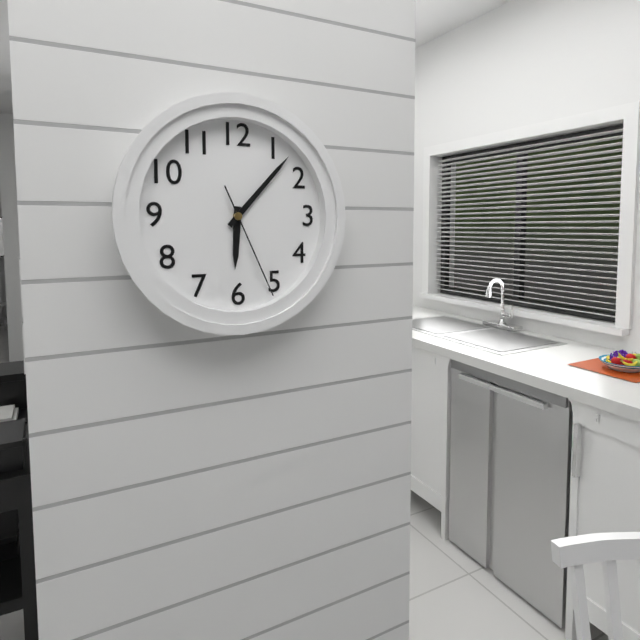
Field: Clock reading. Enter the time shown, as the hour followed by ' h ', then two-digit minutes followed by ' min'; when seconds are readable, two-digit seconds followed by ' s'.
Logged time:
6 h 07 min 26 s
